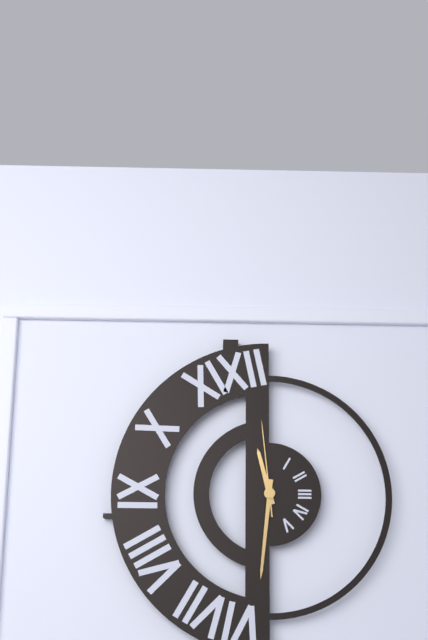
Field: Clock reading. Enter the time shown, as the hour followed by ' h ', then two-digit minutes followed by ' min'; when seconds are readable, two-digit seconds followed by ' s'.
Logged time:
11 h 31 min 59 s
